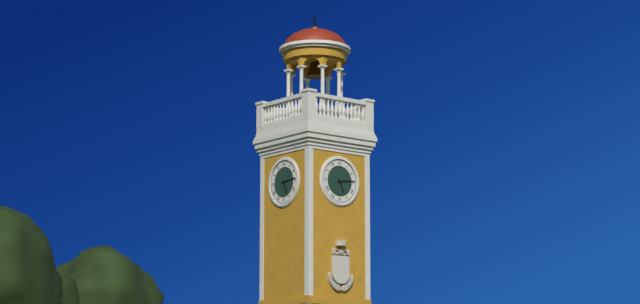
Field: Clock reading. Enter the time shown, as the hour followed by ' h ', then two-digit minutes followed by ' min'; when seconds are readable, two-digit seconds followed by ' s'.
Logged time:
5 h 14 min
